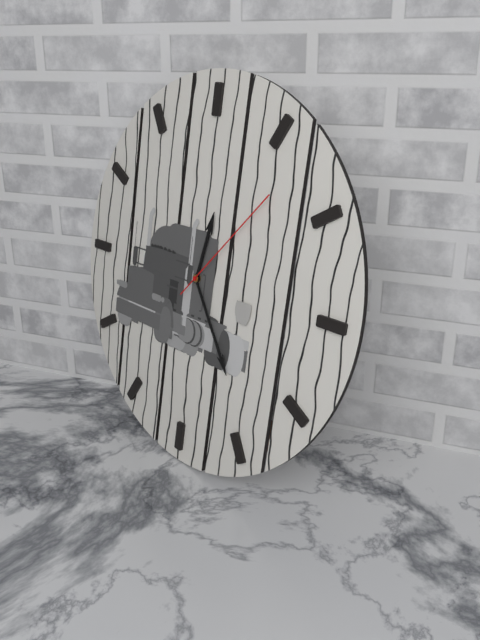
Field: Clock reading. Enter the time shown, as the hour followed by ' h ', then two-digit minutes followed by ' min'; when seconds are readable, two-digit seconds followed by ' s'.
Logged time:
12 h 24 min 07 s
